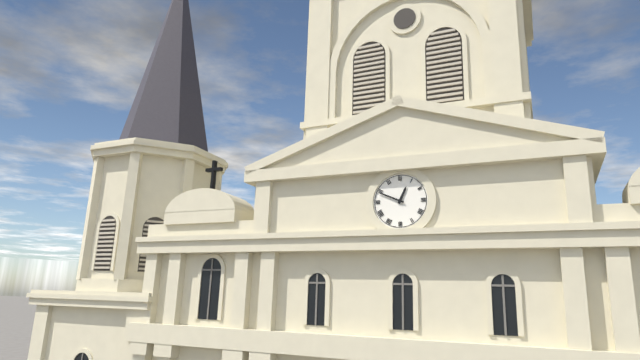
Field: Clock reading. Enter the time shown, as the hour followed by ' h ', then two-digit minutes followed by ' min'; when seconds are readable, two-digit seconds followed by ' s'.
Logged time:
12 h 49 min
